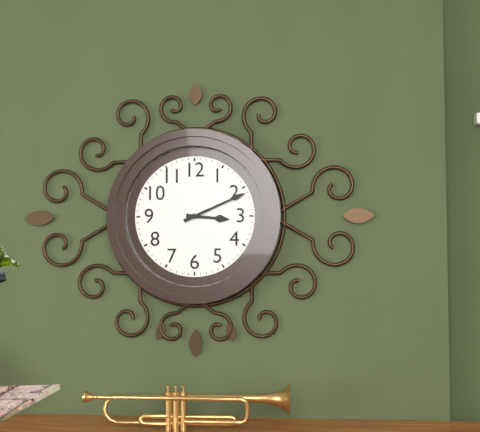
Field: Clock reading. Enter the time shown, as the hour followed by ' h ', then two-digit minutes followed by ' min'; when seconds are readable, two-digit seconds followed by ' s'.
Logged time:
3 h 11 min
